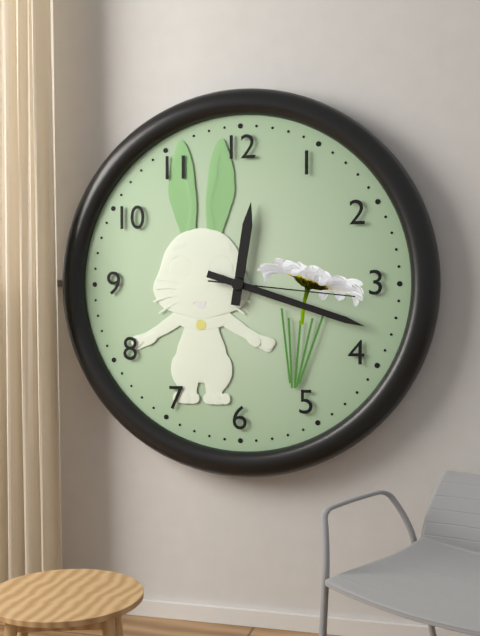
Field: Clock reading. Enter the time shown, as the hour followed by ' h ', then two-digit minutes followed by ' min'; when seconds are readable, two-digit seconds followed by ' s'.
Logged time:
12 h 18 min 16 s
